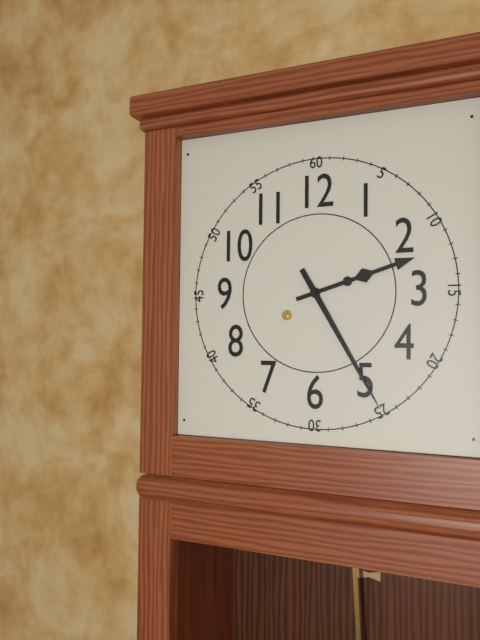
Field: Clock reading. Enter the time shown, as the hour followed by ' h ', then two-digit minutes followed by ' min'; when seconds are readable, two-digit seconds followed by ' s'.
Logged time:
2 h 25 min
